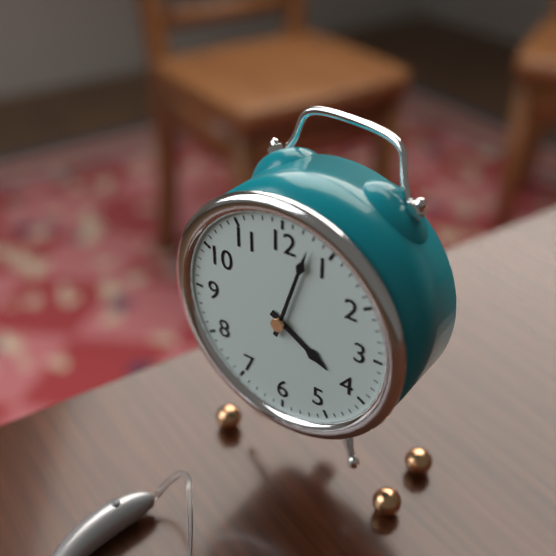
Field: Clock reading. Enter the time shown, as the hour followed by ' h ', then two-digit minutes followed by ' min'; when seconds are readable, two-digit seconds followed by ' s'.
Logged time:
4 h 03 min
